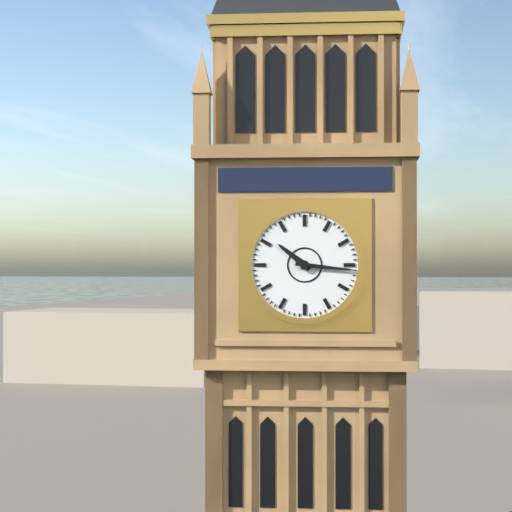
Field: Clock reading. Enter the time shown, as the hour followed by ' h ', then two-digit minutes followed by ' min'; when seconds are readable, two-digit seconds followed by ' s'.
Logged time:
10 h 16 min
